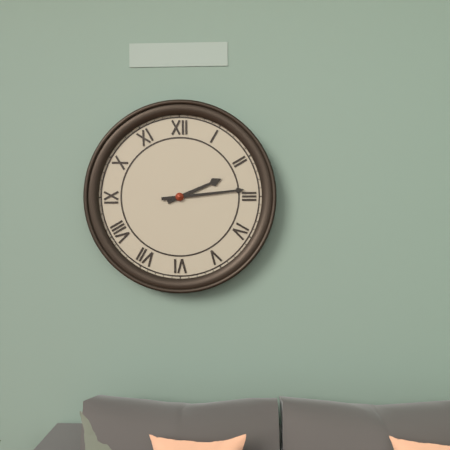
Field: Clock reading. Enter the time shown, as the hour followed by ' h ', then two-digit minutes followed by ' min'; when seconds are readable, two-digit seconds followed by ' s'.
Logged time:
2 h 14 min
